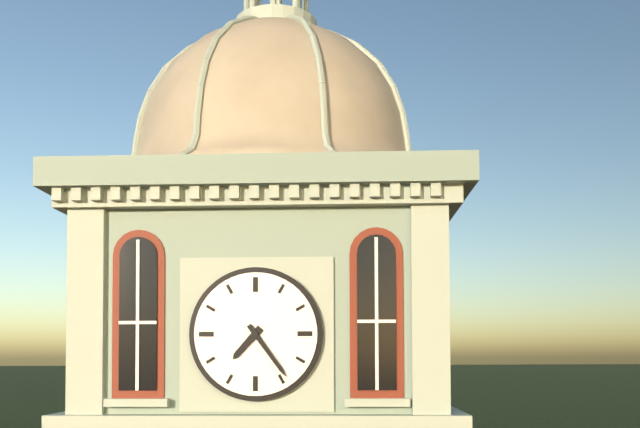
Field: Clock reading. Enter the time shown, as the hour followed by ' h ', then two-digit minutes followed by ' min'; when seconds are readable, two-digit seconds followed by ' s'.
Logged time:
7 h 24 min
